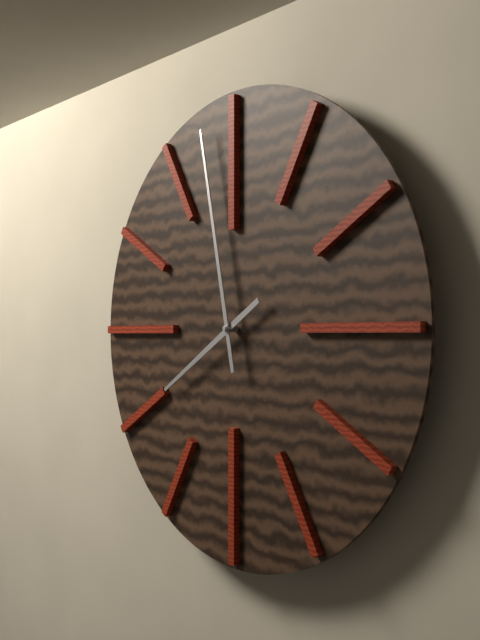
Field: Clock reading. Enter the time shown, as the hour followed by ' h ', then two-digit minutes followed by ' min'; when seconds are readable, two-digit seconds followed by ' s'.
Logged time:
7 h 58 min
